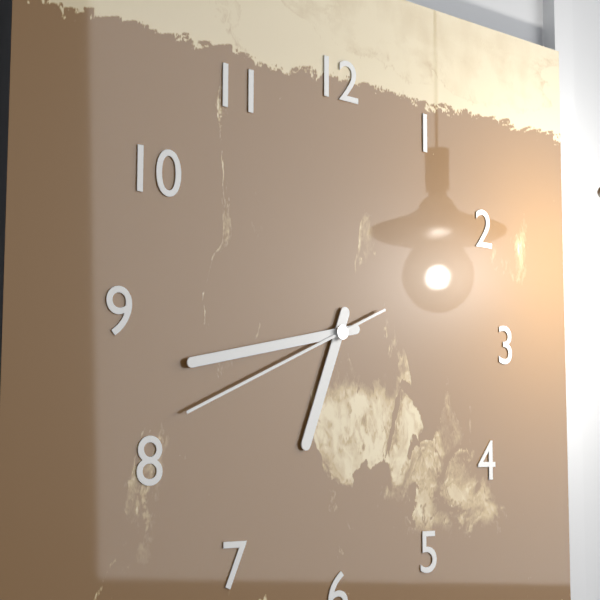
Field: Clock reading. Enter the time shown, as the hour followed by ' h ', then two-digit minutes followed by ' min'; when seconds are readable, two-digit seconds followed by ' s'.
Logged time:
6 h 43 min 41 s
